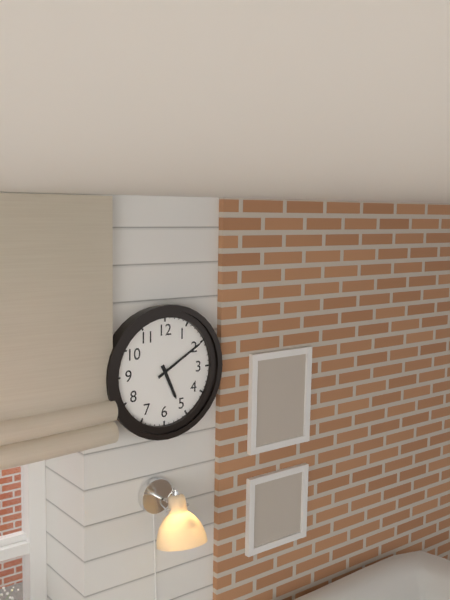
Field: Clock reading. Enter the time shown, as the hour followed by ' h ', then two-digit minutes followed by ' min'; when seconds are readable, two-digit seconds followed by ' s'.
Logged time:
5 h 10 min
